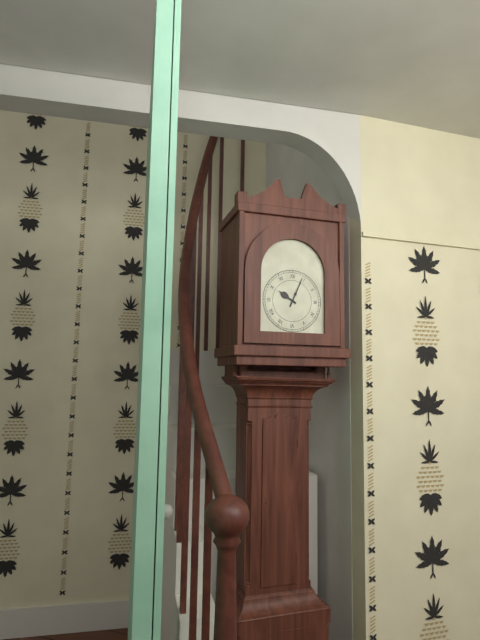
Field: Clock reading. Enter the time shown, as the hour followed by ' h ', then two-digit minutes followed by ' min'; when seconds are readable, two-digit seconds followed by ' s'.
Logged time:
10 h 04 min
